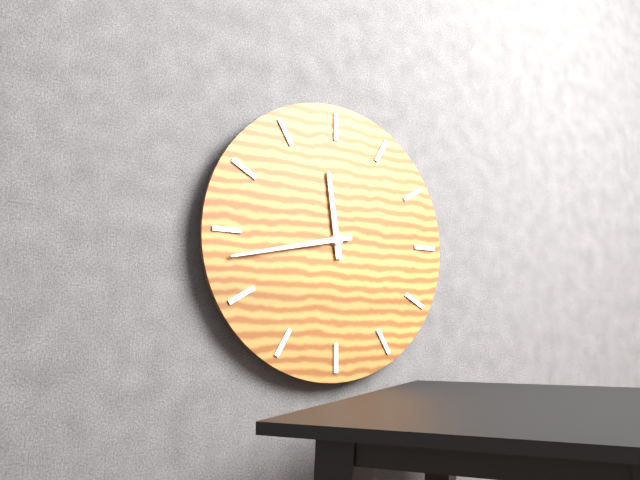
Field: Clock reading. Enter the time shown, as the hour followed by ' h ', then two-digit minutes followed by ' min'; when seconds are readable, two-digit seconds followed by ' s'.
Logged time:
11 h 43 min
